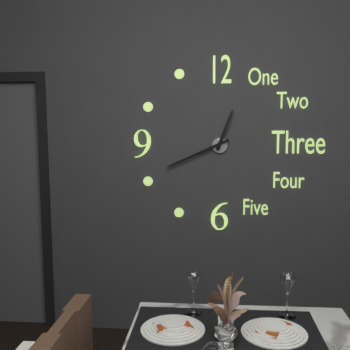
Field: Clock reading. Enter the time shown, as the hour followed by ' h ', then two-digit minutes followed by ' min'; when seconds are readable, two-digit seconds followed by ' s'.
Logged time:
12 h 41 min
